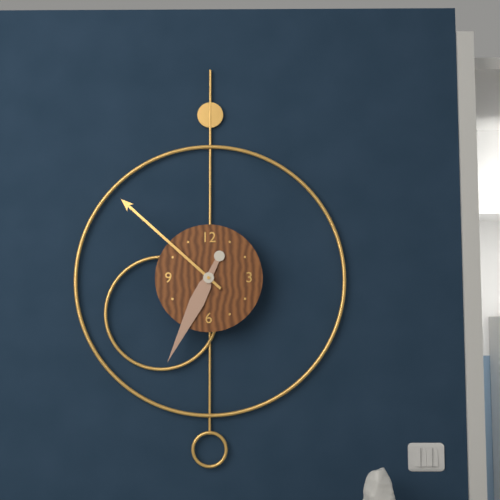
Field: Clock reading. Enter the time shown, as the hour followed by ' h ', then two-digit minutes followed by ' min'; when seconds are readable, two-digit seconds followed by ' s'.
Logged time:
6 h 52 min
